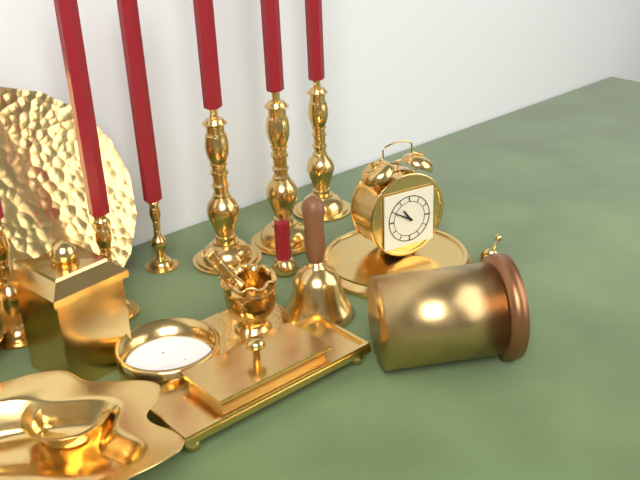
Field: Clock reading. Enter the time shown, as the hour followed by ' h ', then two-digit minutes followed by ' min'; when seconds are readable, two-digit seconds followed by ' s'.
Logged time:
10 h 50 min
